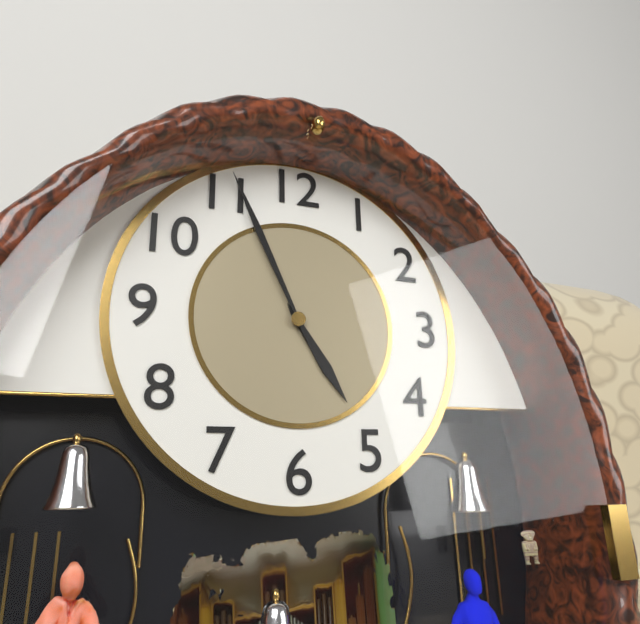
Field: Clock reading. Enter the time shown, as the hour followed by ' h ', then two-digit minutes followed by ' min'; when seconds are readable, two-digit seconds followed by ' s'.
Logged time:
4 h 56 min
